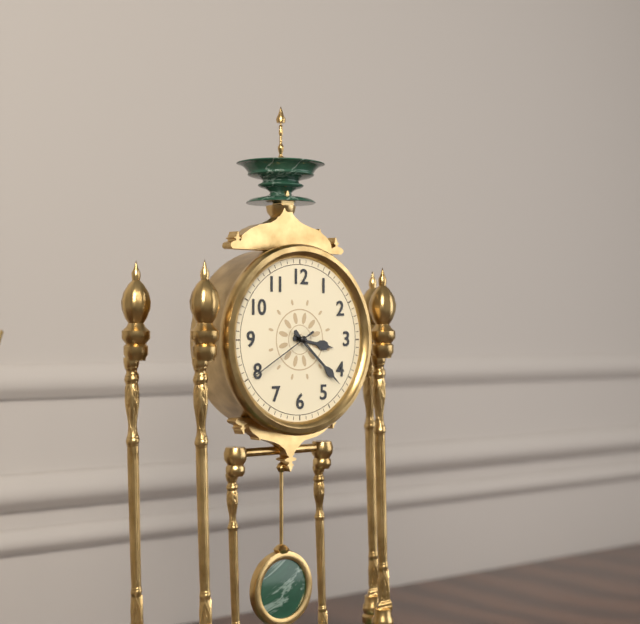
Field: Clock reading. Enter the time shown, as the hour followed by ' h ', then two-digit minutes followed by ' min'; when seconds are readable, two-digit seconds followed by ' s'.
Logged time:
3 h 22 min 40 s
